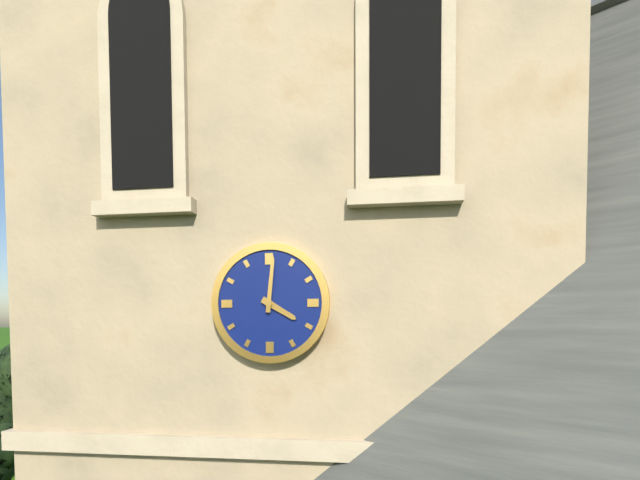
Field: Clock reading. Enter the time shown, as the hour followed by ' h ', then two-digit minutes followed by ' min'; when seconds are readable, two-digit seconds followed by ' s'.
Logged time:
4 h 01 min
